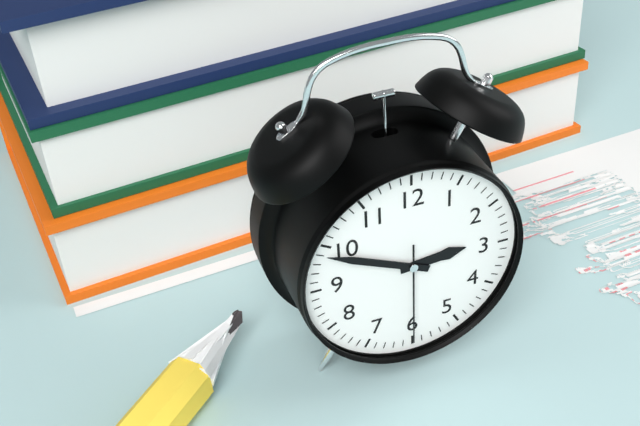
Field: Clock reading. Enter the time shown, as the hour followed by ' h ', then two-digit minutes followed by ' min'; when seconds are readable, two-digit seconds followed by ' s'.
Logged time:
2 h 49 min 30 s
